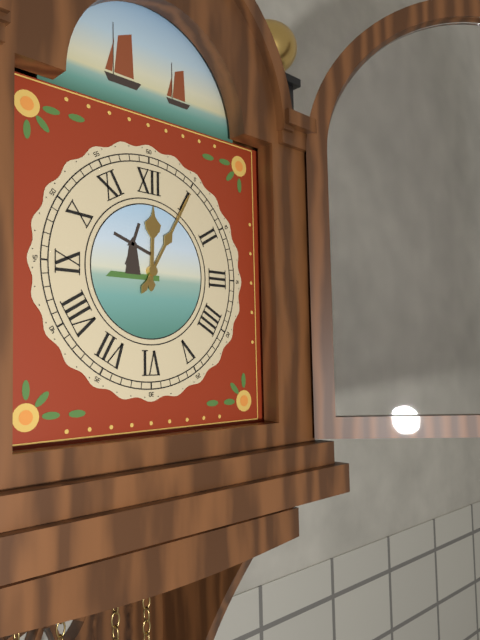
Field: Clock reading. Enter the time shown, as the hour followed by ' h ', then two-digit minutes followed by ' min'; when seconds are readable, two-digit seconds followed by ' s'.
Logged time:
12 h 05 min
